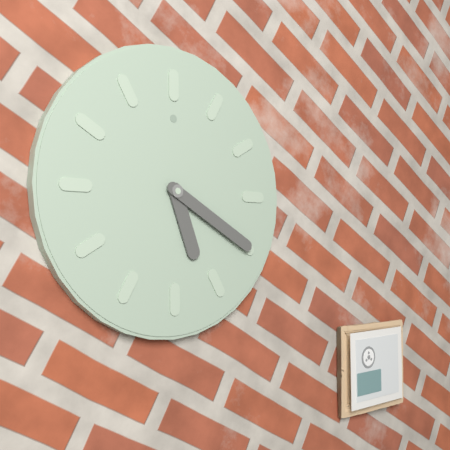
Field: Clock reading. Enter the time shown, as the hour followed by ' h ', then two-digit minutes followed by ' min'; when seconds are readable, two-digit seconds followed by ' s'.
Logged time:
5 h 20 min
